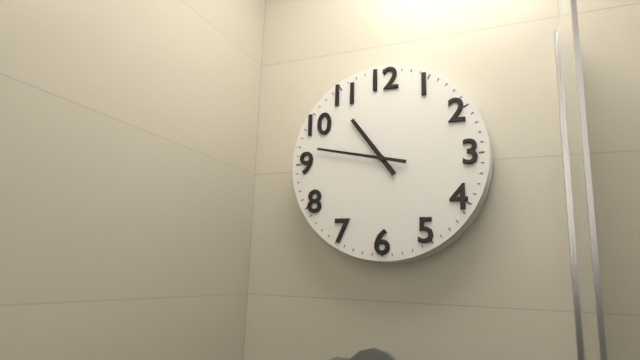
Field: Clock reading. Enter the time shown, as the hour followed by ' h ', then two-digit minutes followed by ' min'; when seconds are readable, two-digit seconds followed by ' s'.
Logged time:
10 h 47 min
